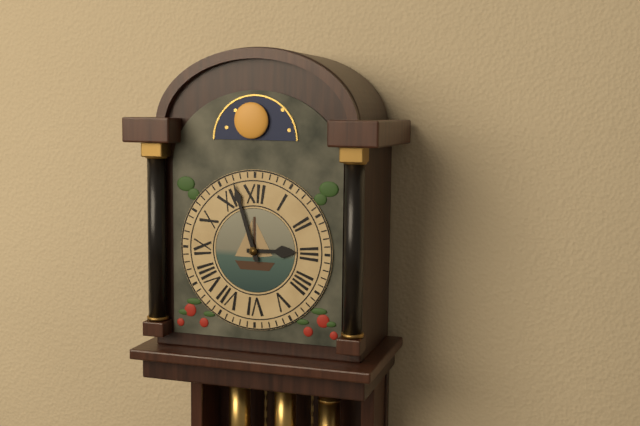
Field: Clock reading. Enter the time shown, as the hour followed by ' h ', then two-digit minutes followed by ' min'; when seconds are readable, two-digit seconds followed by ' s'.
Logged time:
2 h 57 min
